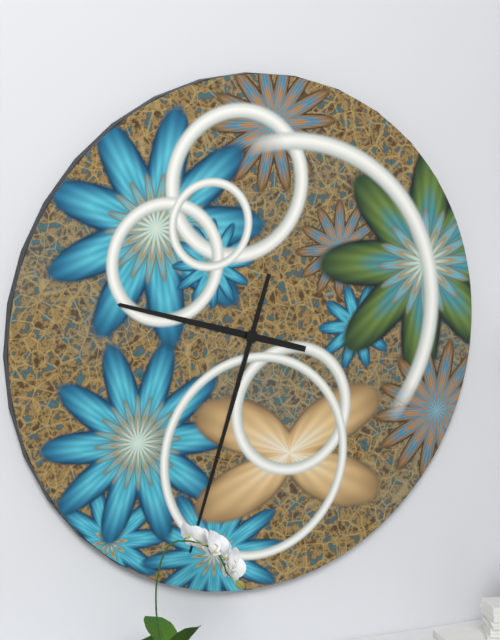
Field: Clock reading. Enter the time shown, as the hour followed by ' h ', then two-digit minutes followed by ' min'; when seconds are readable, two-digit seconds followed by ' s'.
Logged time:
9 h 33 min
